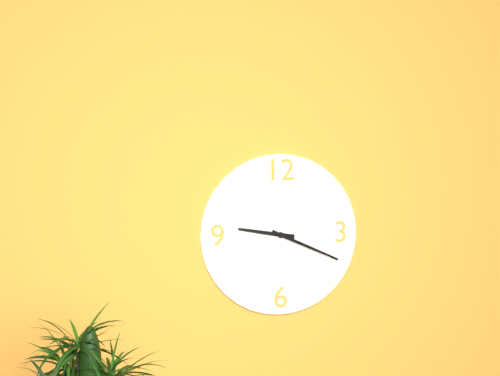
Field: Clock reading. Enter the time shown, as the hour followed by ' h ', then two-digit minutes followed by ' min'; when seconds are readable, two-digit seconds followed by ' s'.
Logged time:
9 h 19 min
